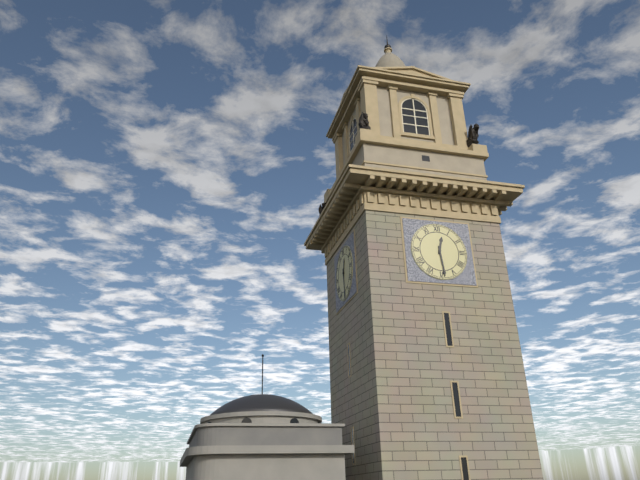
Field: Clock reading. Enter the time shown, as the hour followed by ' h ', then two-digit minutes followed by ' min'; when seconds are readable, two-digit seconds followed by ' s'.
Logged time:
12 h 29 min
